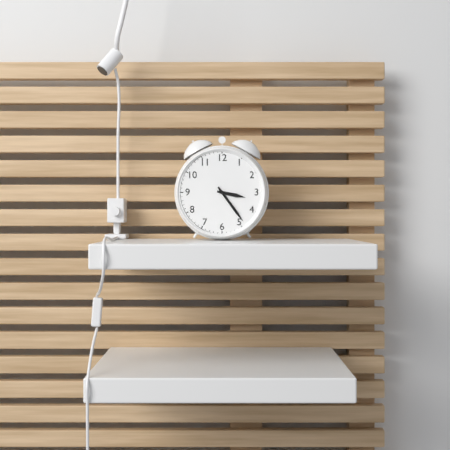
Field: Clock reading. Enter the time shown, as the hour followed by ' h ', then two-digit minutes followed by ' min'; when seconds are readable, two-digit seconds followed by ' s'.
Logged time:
3 h 24 min
